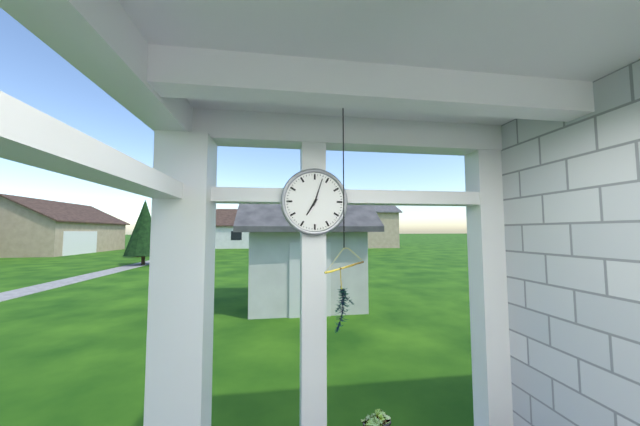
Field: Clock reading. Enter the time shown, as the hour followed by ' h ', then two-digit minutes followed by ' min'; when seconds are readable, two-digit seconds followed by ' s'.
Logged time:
7 h 03 min
